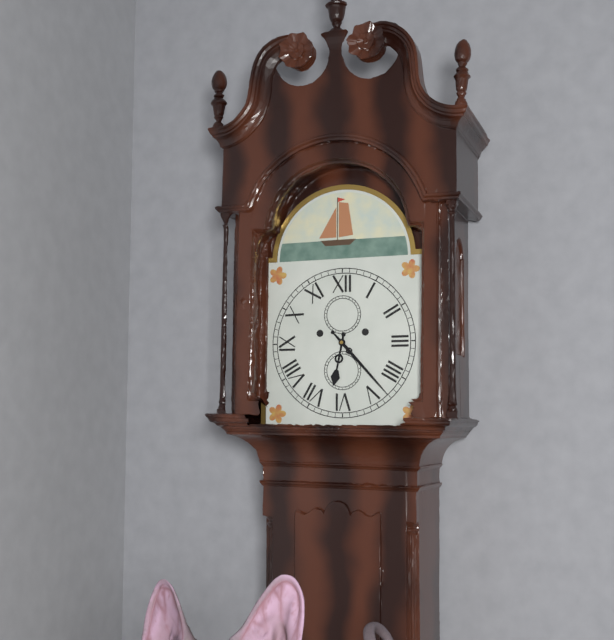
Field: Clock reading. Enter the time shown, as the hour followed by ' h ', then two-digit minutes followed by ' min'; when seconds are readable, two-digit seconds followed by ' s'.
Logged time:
6 h 23 min
